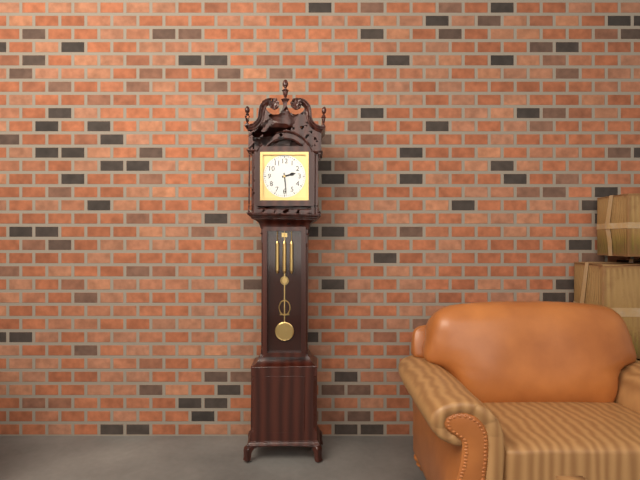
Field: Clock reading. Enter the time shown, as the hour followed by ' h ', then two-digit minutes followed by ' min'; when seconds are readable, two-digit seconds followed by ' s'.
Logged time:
2 h 29 min
